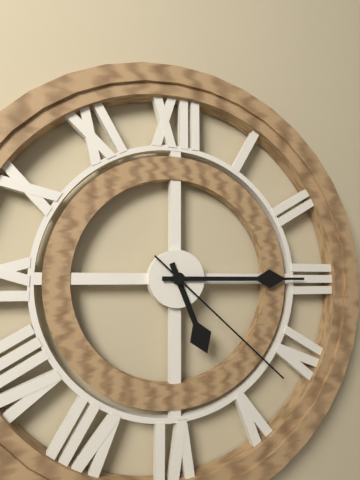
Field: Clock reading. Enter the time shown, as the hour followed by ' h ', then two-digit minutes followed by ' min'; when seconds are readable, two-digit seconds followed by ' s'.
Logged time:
5 h 15 min 22 s
